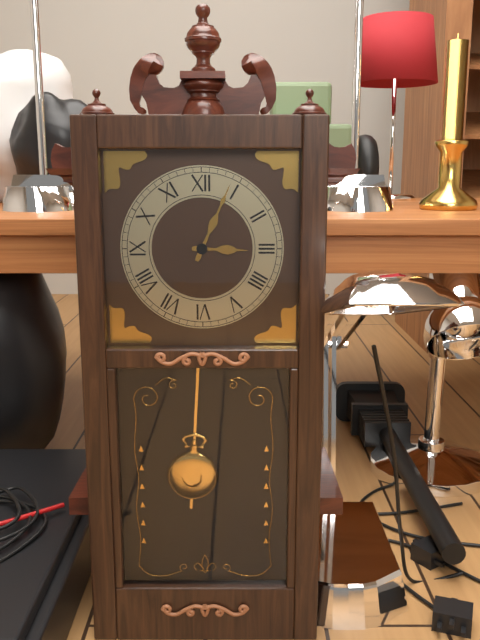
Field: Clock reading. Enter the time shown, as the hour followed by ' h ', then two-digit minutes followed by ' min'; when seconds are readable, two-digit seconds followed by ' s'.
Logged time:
3 h 04 min
